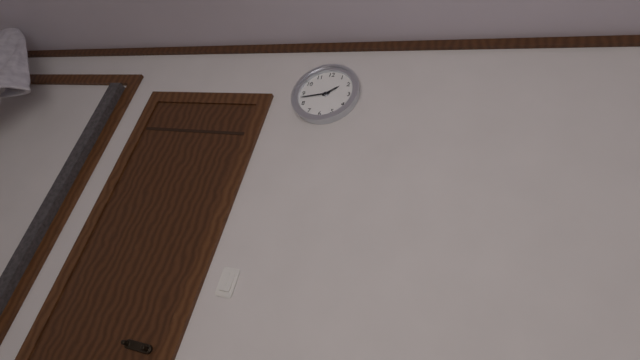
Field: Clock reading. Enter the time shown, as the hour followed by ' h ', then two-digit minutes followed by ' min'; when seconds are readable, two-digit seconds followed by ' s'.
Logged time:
1 h 43 min
